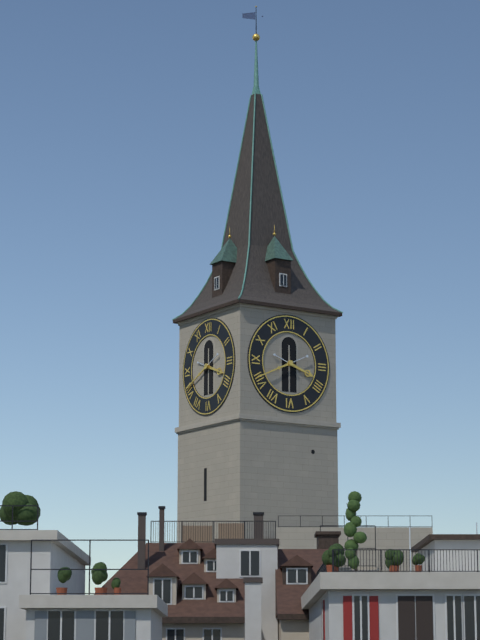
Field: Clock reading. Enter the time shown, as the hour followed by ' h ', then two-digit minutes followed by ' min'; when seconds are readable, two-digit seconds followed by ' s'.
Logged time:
3 h 41 min
